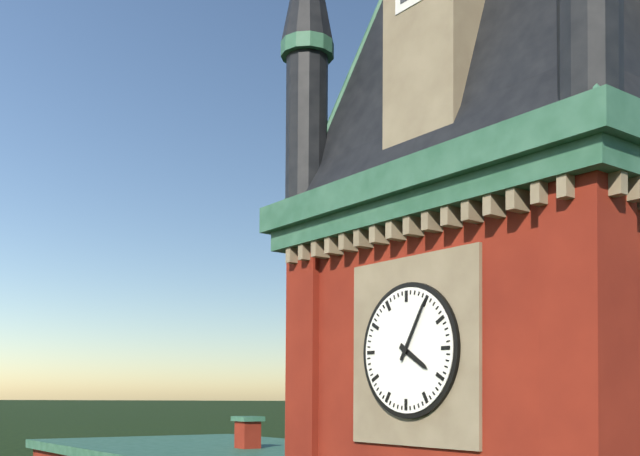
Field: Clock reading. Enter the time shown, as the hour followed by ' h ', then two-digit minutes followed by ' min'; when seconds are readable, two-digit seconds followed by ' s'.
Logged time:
4 h 05 min
